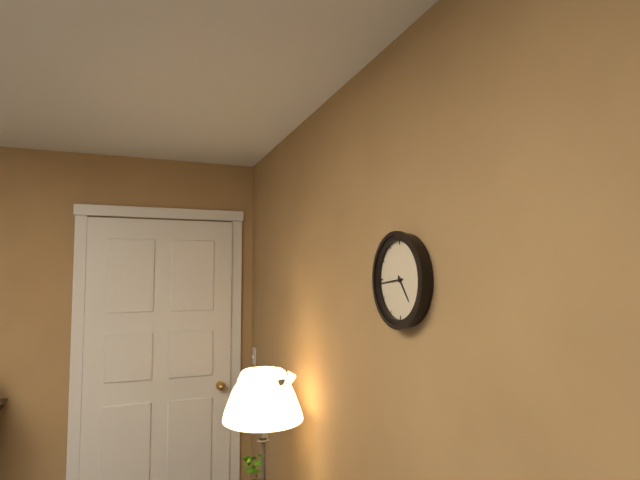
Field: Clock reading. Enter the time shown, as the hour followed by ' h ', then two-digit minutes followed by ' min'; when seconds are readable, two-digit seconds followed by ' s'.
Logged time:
4 h 44 min
